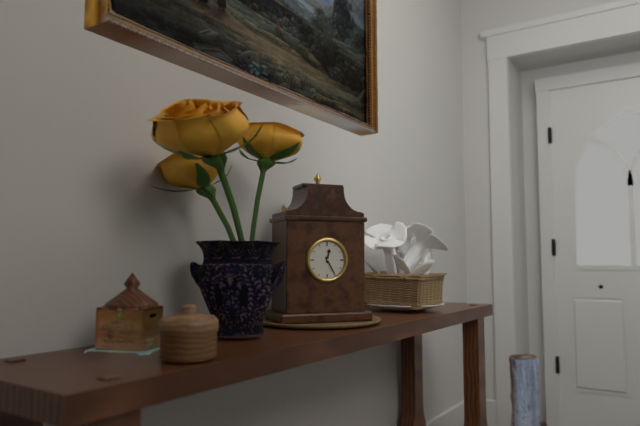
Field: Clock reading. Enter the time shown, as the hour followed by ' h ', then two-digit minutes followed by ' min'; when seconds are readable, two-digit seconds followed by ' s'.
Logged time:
12 h 25 min
